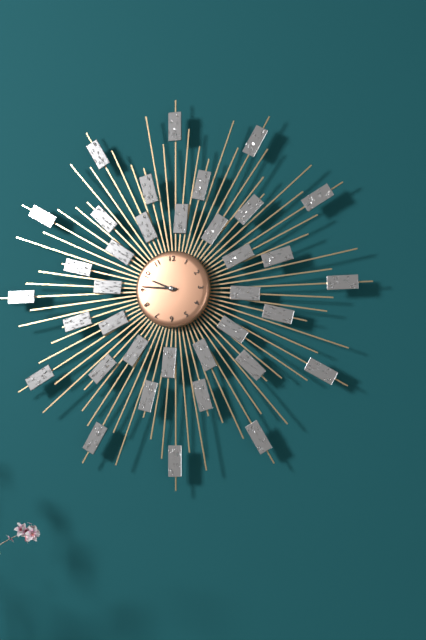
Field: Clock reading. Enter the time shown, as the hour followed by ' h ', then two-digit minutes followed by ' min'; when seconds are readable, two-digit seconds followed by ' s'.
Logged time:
9 h 46 min
